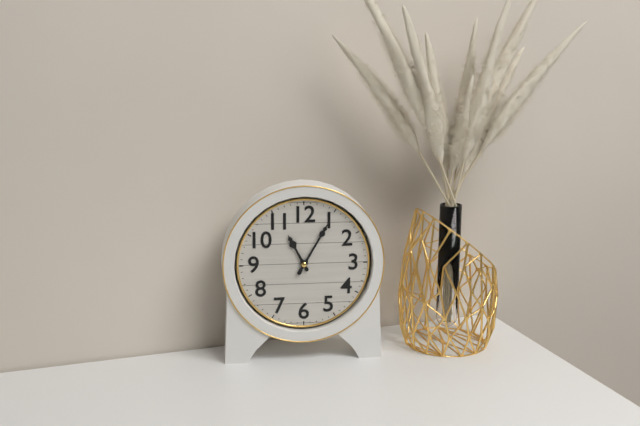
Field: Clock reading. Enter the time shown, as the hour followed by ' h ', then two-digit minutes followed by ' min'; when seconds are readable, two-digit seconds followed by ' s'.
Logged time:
11 h 05 min
